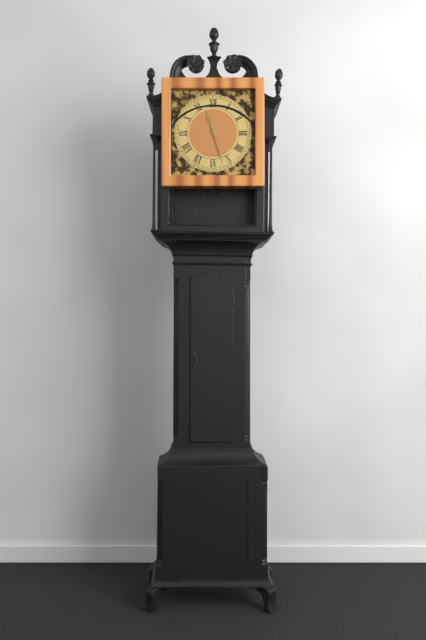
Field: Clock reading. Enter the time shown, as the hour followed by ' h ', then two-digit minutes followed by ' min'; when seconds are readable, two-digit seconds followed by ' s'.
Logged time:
11 h 27 min
